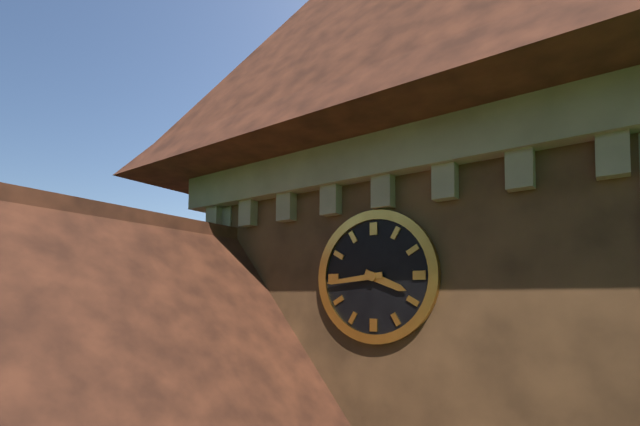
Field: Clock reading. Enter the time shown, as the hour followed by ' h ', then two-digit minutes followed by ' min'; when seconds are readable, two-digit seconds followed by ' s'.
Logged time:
3 h 44 min
